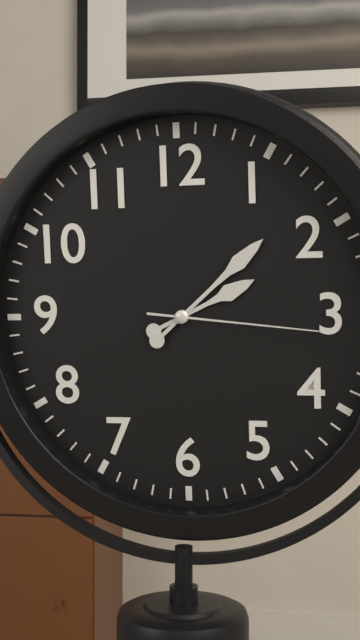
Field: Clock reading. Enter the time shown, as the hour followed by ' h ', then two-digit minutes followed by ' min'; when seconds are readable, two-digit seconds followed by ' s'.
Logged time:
2 h 08 min 16 s
